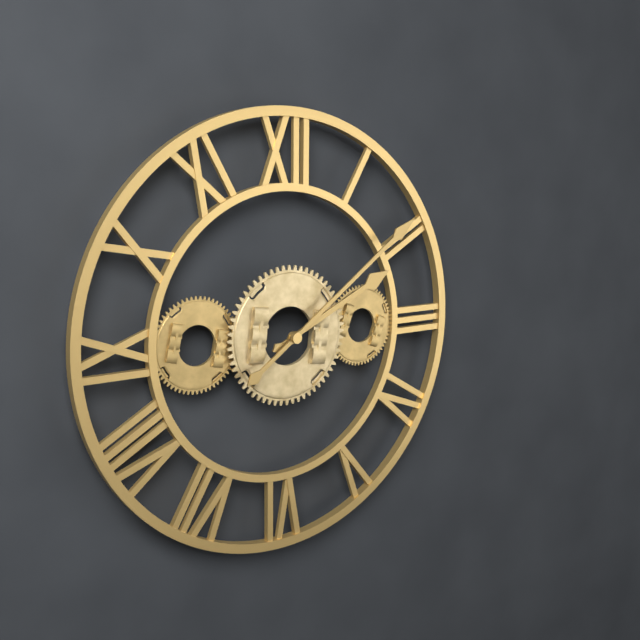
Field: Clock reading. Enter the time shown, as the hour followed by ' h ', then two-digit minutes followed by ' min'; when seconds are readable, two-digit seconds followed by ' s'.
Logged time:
2 h 09 min
